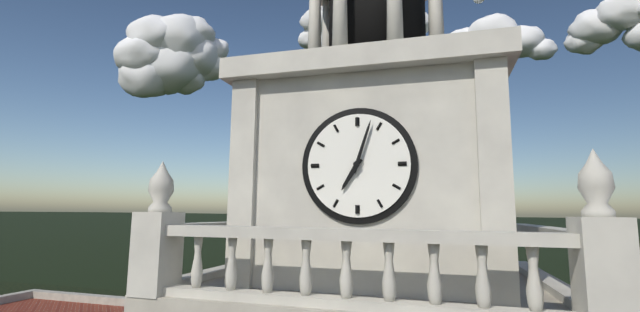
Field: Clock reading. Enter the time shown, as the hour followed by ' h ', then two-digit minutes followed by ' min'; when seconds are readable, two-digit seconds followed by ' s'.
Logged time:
7 h 03 min
